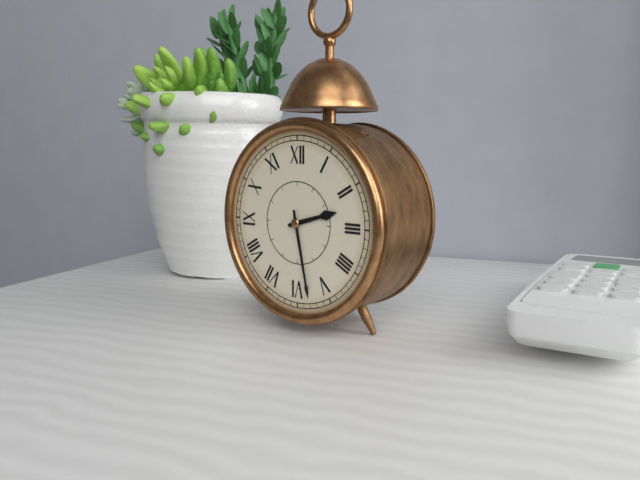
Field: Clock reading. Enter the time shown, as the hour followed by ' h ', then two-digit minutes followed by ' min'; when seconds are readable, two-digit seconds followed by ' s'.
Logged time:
2 h 28 min
